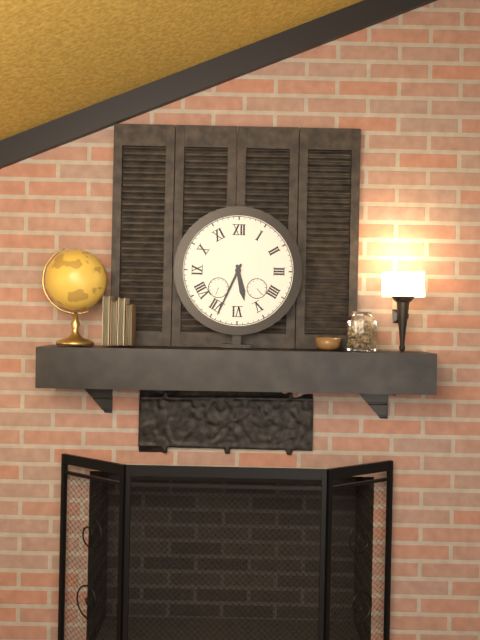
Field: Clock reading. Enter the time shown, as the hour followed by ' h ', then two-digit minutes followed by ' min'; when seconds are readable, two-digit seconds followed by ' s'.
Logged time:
5 h 34 min
